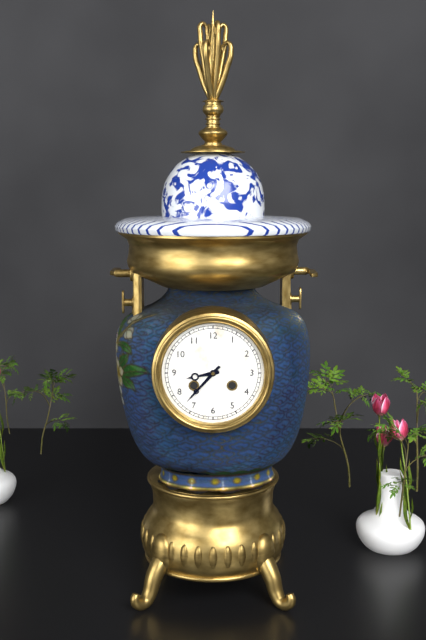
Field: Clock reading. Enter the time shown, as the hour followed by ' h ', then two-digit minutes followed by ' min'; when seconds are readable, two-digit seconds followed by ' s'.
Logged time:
8 h 37 min
